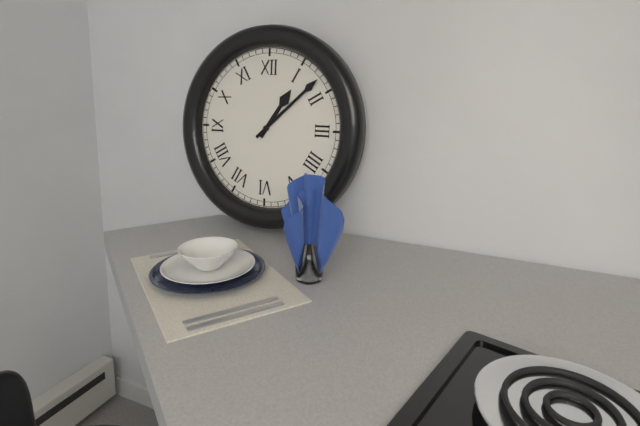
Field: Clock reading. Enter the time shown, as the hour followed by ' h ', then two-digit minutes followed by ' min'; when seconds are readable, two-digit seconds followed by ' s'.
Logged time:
1 h 08 min
